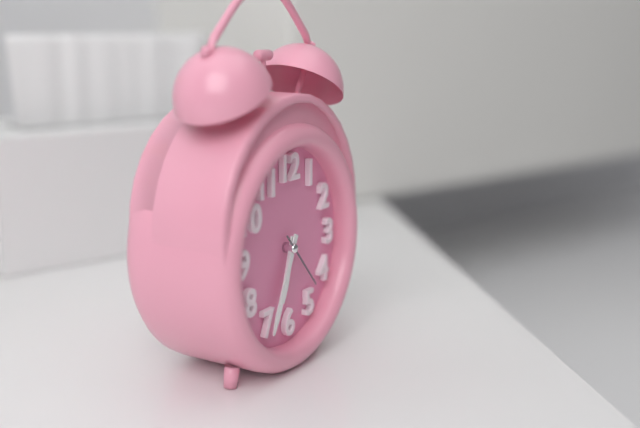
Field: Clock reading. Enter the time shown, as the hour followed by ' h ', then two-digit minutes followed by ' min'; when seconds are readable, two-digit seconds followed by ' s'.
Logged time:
6 h 34 min 23 s
